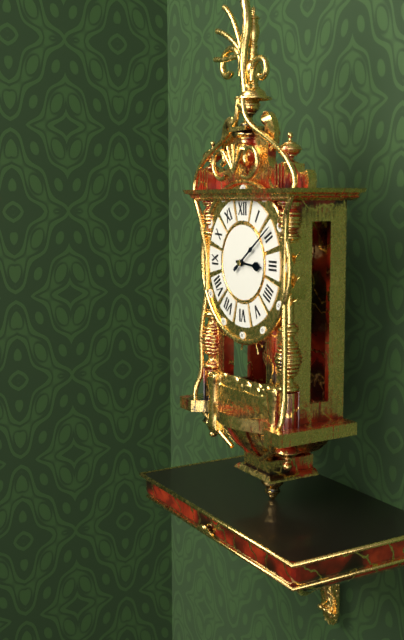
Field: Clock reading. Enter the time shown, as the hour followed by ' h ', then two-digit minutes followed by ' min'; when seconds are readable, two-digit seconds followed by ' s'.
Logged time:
3 h 09 min
